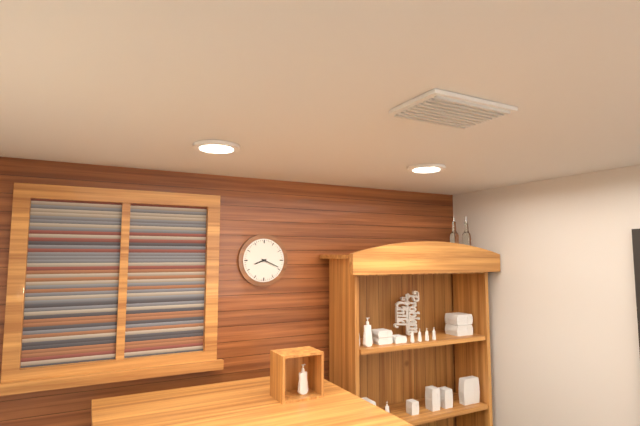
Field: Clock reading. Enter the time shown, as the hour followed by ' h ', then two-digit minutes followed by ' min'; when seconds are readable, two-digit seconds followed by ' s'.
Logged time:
8 h 19 min
